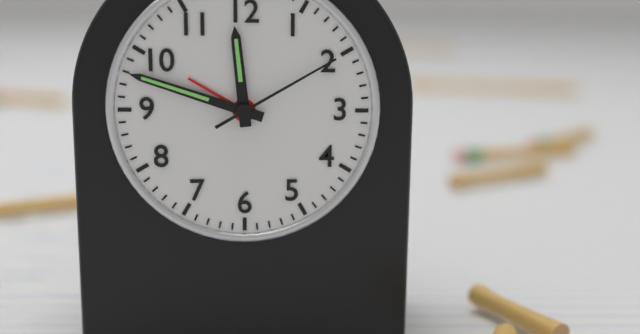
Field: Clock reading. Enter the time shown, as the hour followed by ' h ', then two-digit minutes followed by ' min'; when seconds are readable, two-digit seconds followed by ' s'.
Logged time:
11 h 48 min 10 s
